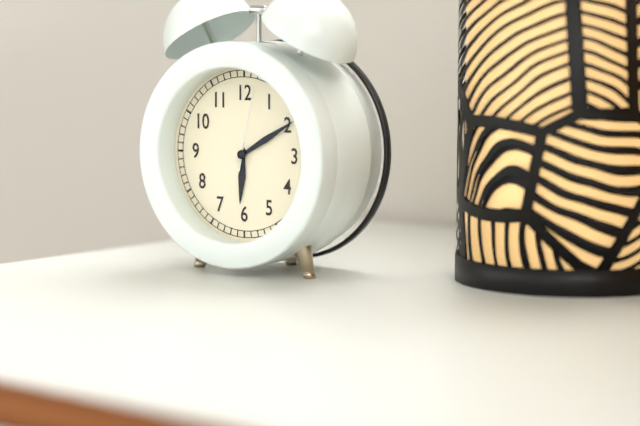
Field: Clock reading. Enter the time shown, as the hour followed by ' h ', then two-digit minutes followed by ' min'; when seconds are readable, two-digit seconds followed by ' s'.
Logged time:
6 h 10 min 02 s
